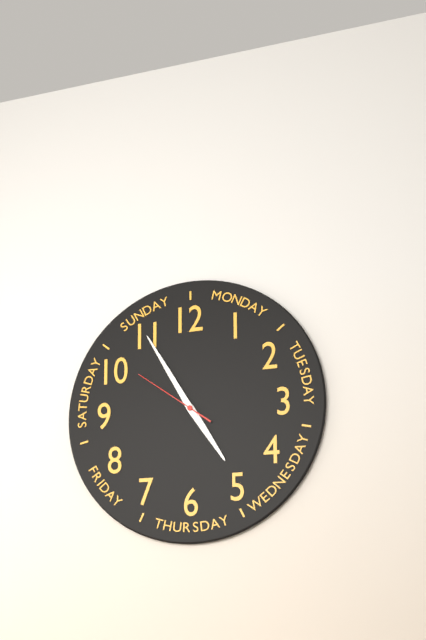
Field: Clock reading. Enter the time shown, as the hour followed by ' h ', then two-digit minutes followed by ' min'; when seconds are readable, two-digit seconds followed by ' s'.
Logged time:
4 h 55 min 51 s
